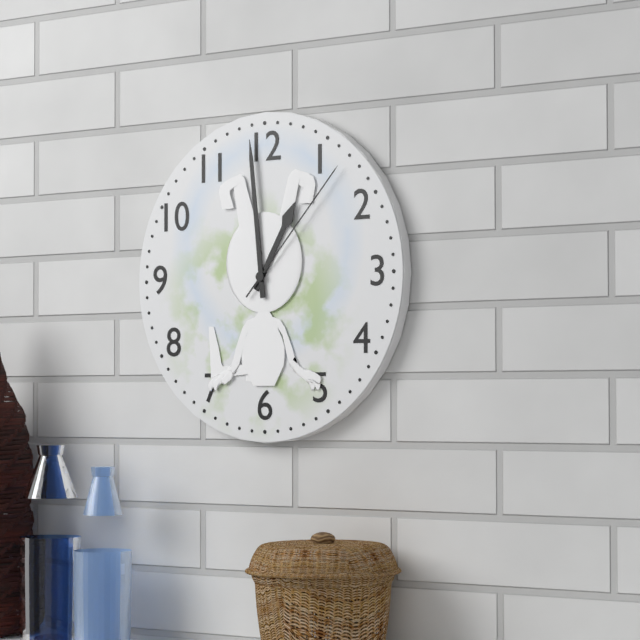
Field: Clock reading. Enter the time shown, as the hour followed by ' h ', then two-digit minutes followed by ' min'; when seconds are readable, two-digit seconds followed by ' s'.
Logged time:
12 h 59 min 07 s
